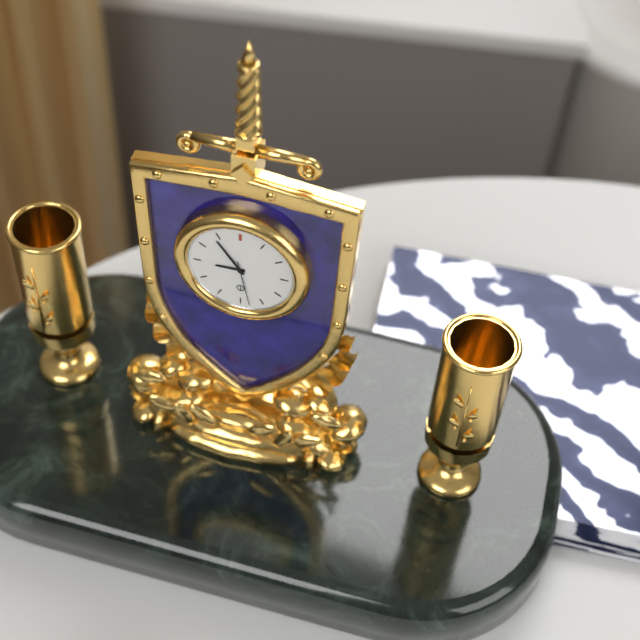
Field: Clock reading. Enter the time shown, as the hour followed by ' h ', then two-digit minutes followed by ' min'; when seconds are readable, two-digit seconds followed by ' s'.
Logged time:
8 h 54 min
